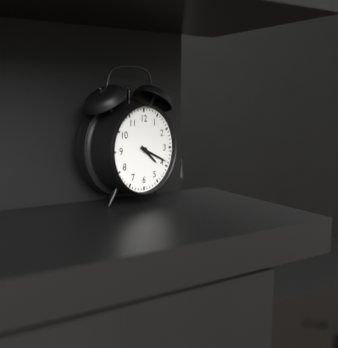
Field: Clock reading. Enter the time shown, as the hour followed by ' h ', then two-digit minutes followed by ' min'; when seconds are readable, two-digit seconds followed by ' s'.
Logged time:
4 h 19 min
